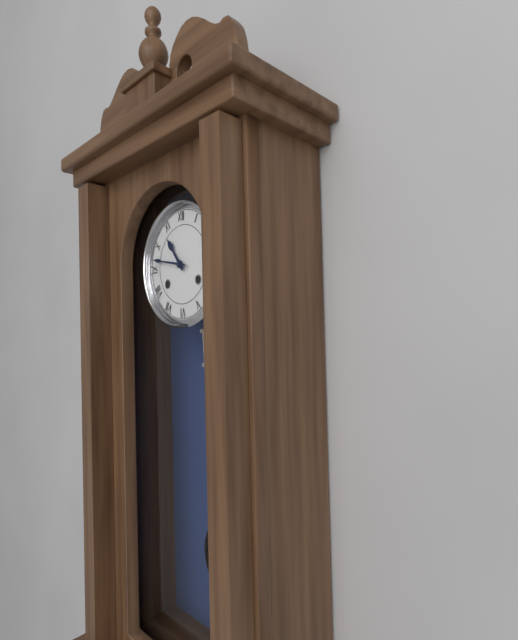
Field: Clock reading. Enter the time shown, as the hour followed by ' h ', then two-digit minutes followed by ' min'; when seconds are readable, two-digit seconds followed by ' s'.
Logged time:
10 h 47 min
